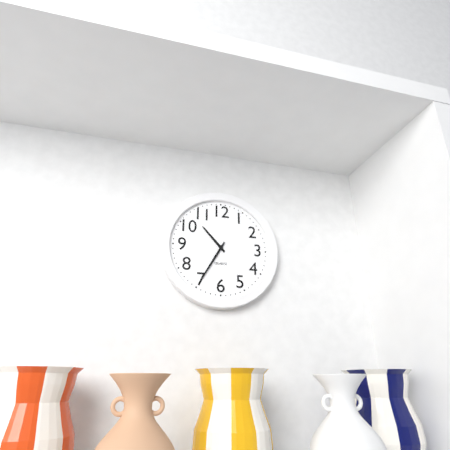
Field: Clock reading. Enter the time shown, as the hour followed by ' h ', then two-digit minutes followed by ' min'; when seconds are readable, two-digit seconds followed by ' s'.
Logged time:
10 h 35 min
